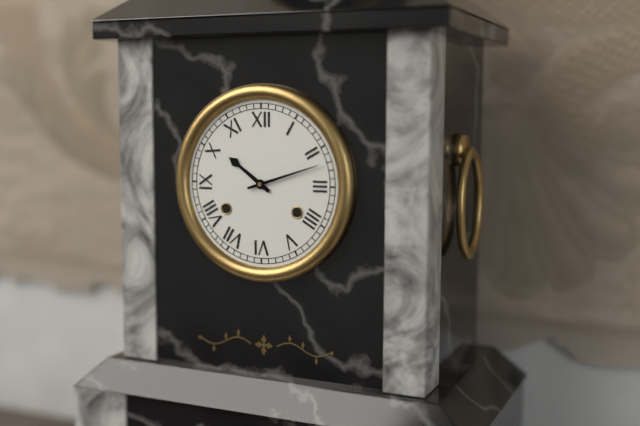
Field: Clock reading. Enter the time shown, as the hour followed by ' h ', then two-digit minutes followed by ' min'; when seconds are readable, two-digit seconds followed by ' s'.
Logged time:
10 h 12 min
